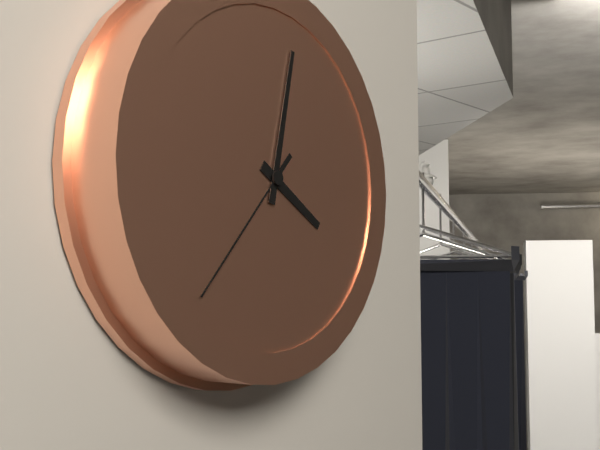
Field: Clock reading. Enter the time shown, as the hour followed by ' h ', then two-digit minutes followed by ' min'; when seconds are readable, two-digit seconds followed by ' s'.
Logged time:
4 h 02 min 37 s
